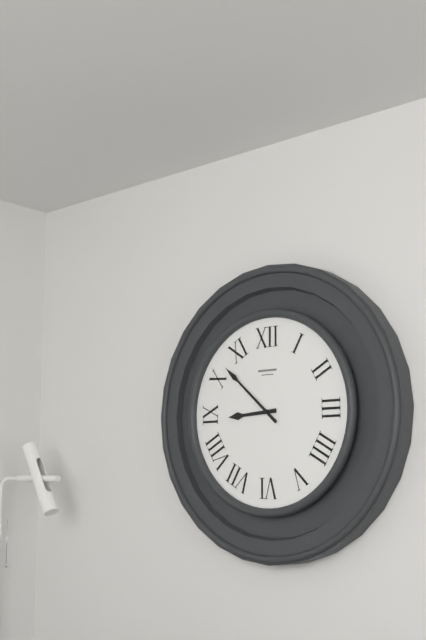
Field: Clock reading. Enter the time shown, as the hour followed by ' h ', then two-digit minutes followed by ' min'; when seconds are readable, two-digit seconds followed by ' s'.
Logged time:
8 h 52 min
